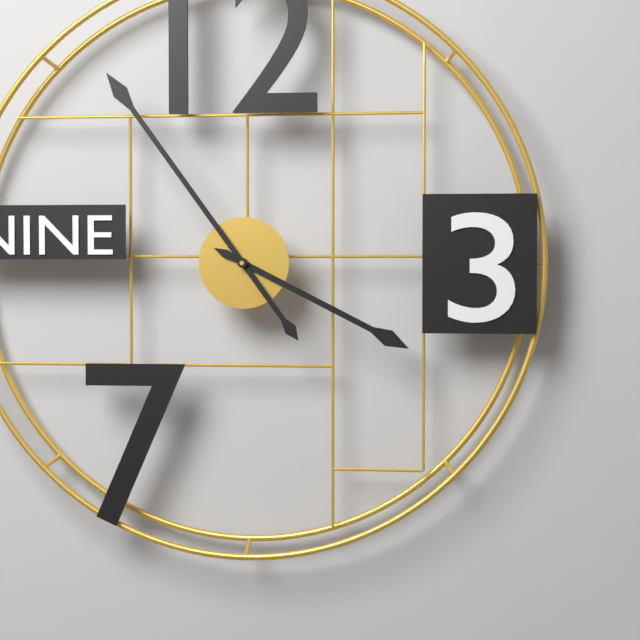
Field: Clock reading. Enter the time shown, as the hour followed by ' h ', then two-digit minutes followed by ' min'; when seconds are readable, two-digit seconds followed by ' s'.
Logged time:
3 h 54 min
